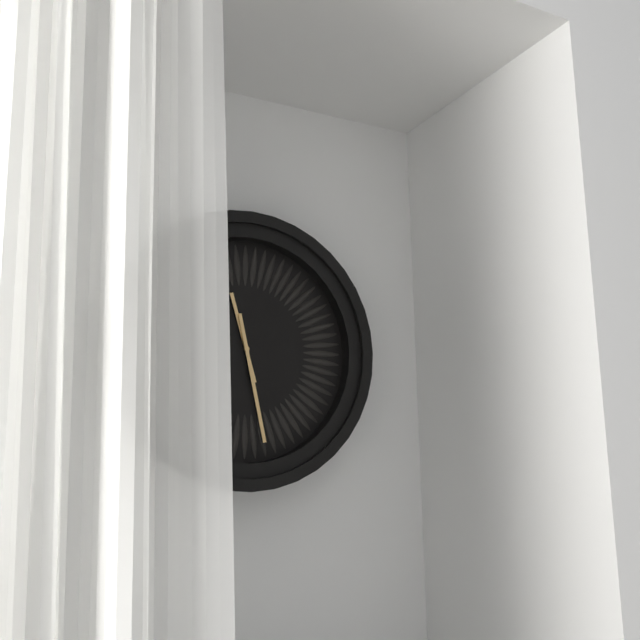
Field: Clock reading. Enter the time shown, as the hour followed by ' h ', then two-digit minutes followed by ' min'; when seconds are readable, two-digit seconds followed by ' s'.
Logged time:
11 h 28 min
